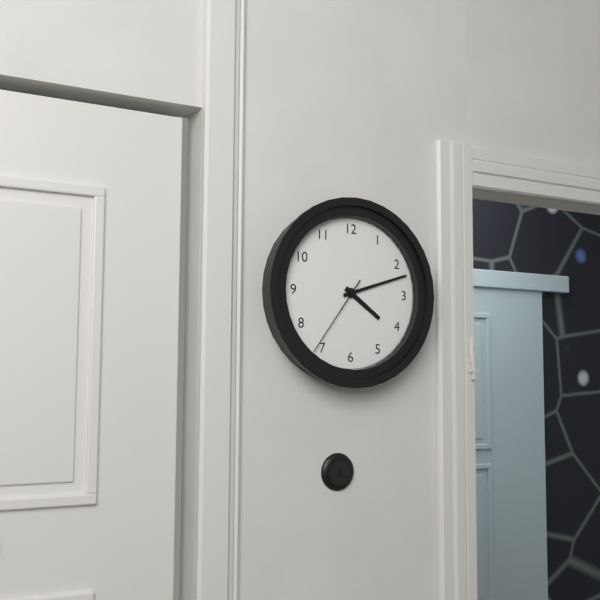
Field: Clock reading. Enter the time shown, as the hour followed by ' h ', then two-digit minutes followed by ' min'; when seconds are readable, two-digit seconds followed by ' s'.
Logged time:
4 h 12 min 36 s
